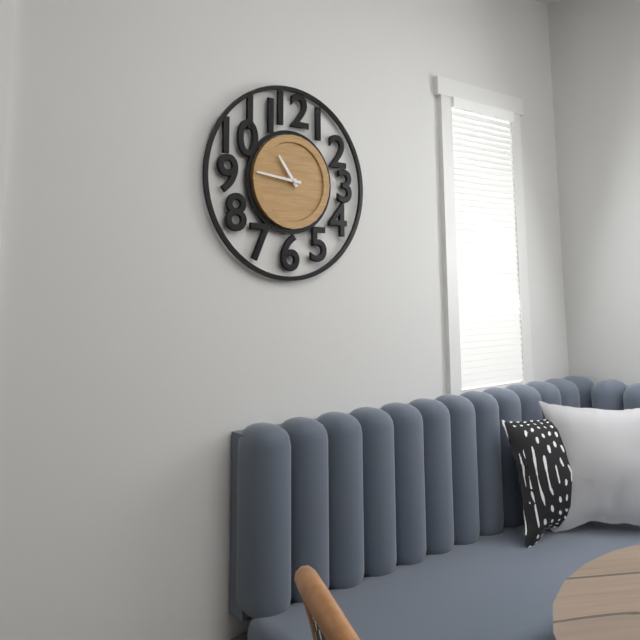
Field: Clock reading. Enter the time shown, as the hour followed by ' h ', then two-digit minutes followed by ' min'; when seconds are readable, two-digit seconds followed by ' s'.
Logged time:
10 h 46 min
